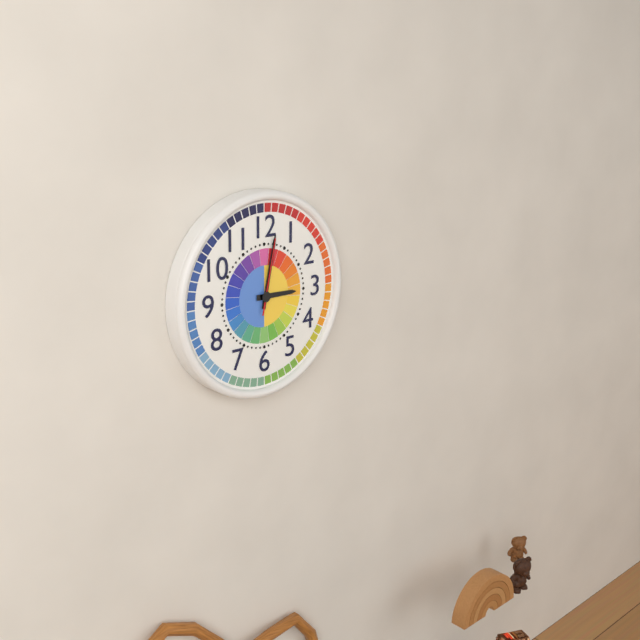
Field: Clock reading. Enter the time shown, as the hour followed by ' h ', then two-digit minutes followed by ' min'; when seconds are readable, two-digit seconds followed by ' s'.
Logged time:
3 h 02 min 02 s
